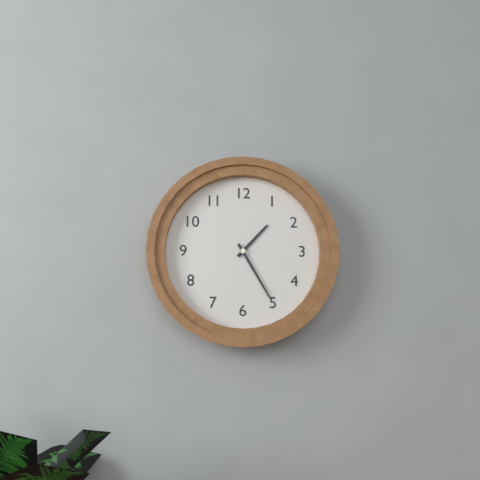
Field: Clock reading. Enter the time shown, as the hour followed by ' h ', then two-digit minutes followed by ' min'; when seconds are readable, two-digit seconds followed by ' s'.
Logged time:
1 h 25 min
